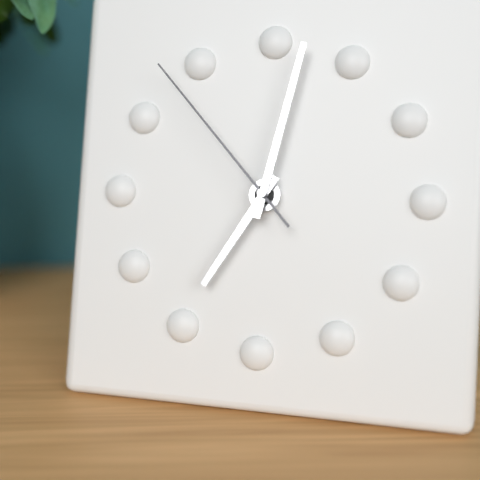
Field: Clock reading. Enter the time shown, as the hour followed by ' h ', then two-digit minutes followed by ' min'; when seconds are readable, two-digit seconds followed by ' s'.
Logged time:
7 h 02 min 53 s
